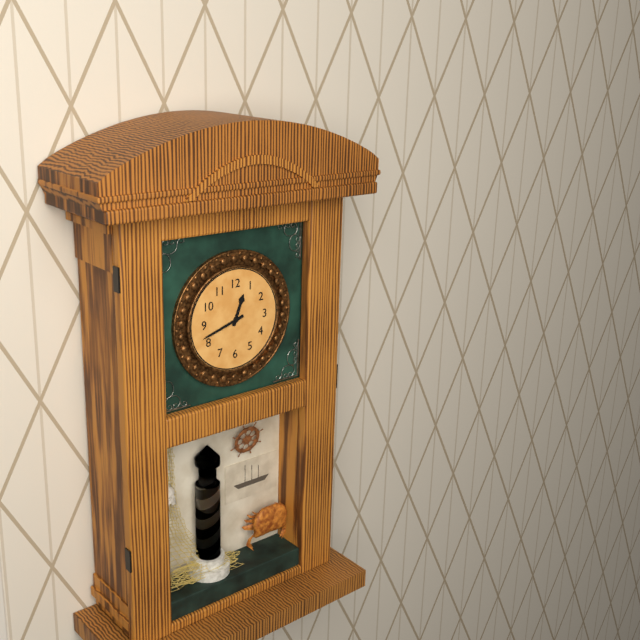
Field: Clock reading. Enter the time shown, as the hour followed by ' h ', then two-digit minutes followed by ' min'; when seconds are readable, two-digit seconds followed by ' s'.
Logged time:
12 h 42 min
